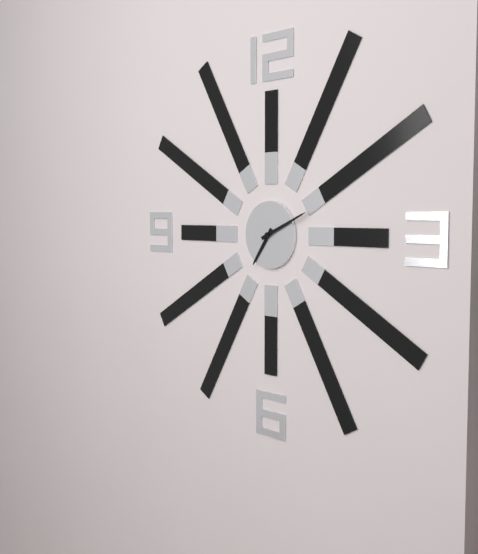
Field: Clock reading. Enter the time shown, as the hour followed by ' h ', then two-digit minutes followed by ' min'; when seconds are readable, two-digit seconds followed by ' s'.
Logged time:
7 h 11 min
